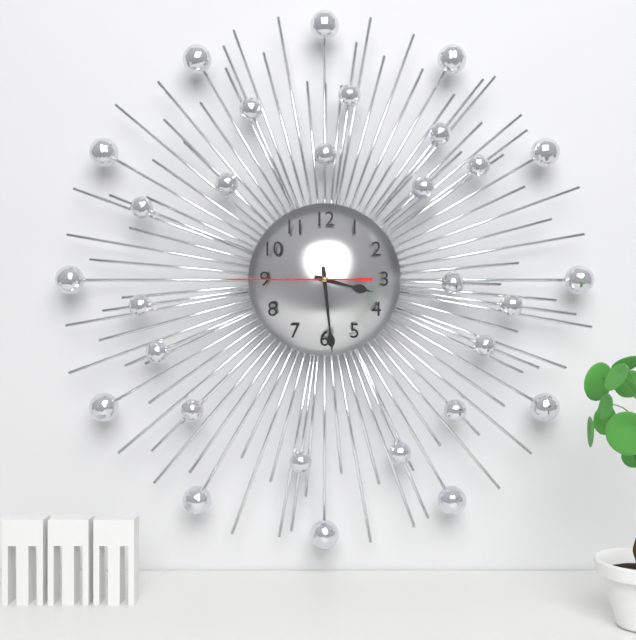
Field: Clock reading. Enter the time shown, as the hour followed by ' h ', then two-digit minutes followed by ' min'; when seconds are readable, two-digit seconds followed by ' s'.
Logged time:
3 h 29 min 45 s
